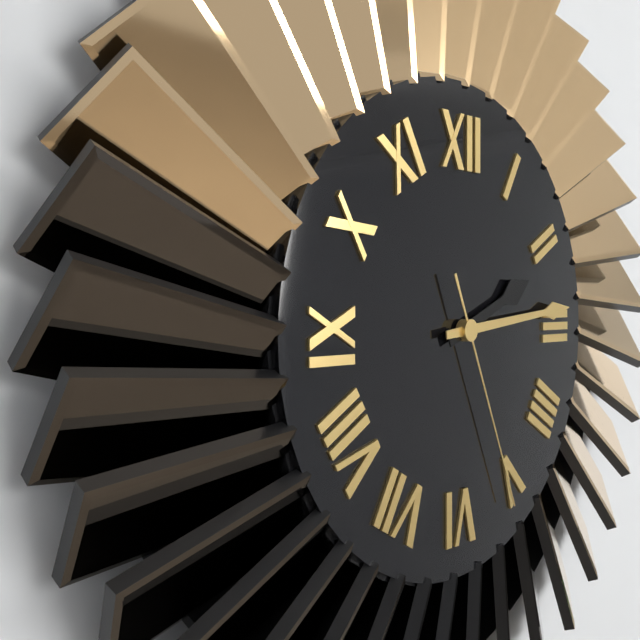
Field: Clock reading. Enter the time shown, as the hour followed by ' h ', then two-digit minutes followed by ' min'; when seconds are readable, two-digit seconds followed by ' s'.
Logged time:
2 h 14 min 26 s
